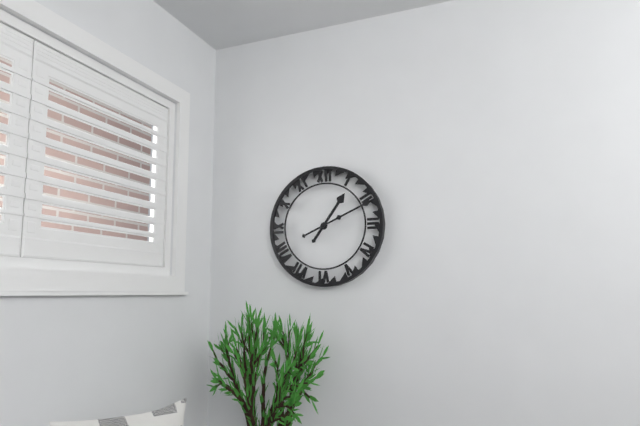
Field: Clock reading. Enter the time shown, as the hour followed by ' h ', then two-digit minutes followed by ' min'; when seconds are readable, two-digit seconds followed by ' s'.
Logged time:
1 h 11 min
